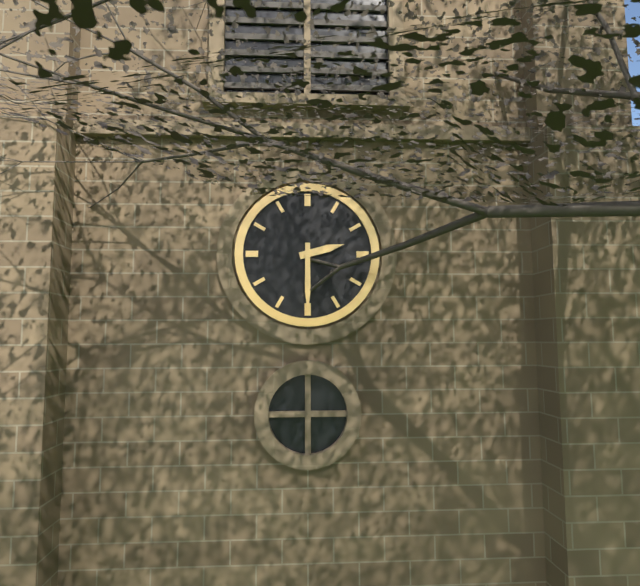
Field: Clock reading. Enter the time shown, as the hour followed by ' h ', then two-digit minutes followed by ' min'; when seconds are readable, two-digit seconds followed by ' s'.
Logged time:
2 h 30 min
